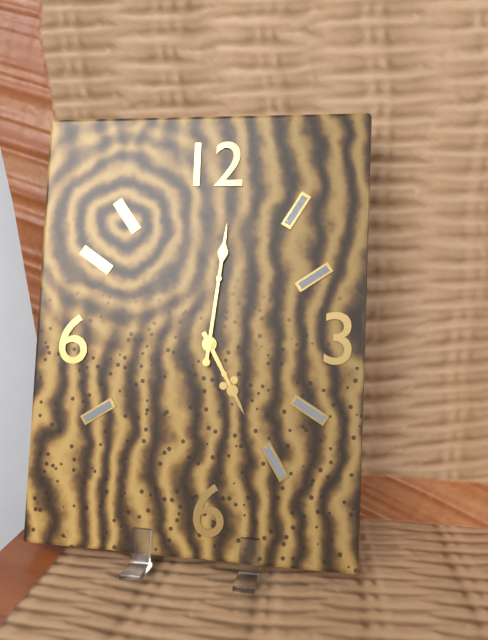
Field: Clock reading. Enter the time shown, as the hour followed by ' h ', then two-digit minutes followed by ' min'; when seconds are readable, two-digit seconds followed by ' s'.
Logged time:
5 h 01 min
